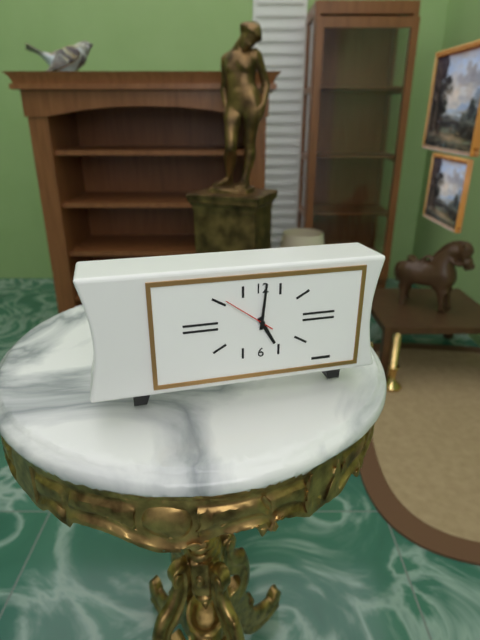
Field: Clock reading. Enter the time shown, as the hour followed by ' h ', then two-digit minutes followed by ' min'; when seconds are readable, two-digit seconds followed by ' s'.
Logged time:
5 h 01 min 51 s
